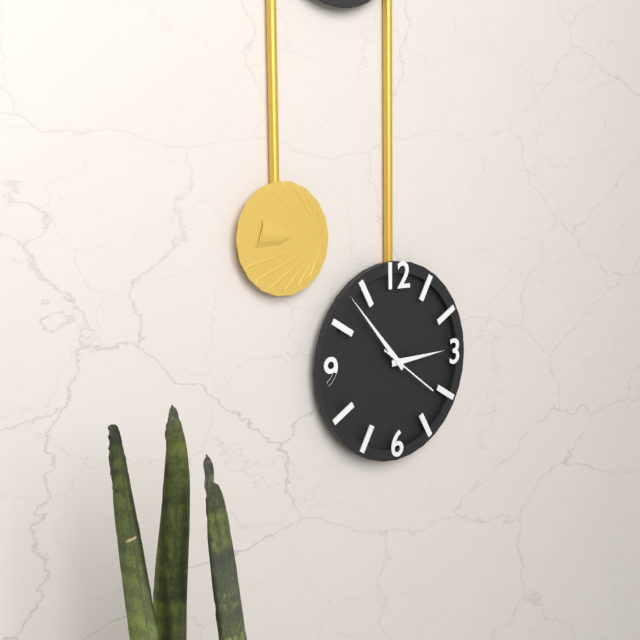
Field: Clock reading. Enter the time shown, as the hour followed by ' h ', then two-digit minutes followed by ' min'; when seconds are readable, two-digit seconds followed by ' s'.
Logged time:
2 h 53 min 21 s
